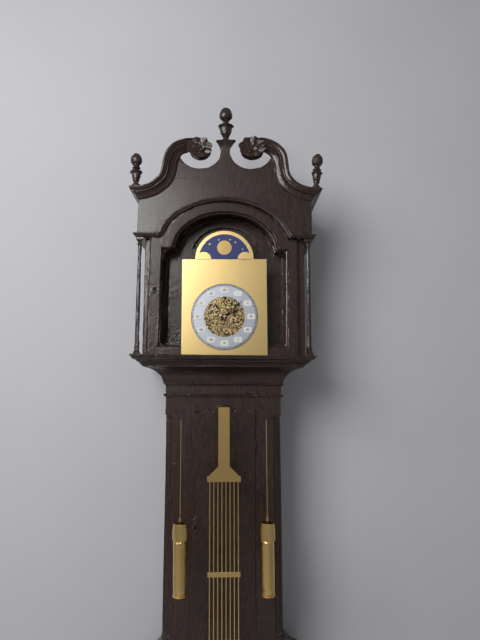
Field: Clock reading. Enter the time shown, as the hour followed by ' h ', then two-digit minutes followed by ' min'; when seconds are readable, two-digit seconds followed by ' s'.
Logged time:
2 h 08 min
